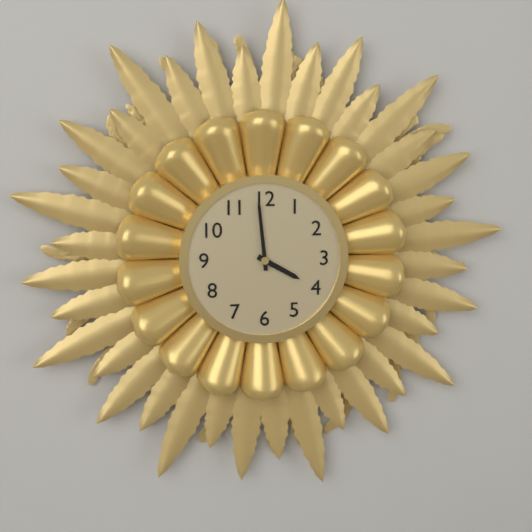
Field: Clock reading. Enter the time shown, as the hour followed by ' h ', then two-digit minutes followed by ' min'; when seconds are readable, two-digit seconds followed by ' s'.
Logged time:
3 h 59 min
